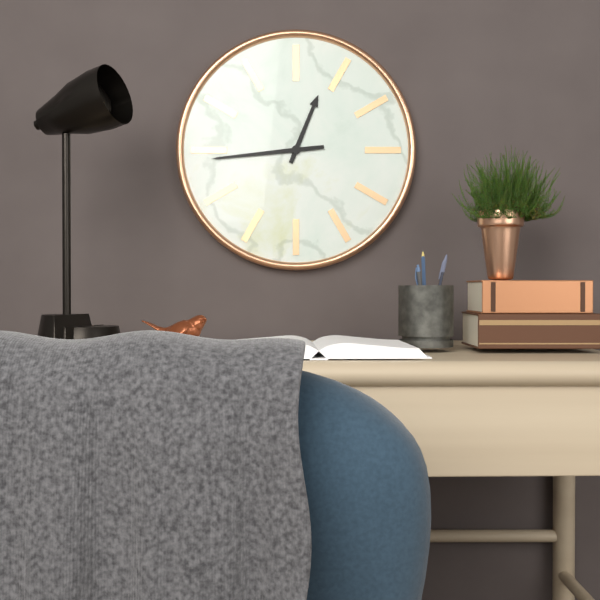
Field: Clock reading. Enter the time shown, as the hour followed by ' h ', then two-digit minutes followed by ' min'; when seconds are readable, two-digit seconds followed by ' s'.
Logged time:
12 h 44 min
